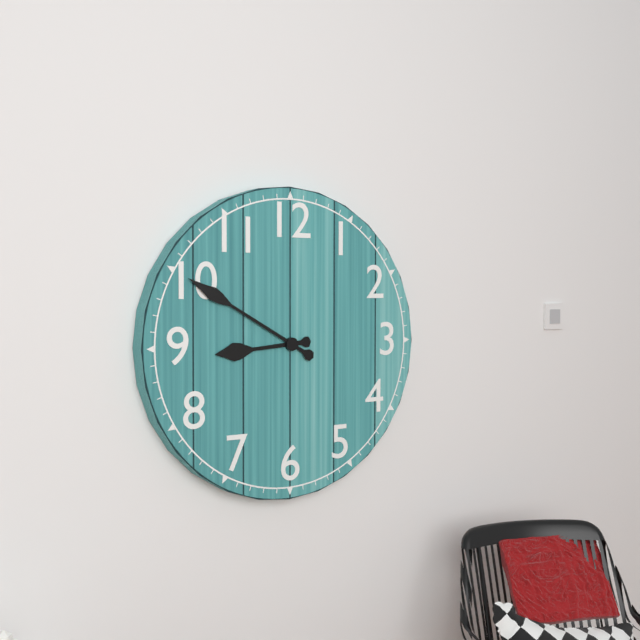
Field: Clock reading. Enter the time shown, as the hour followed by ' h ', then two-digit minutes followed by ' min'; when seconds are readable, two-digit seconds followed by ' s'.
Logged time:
8 h 50 min
